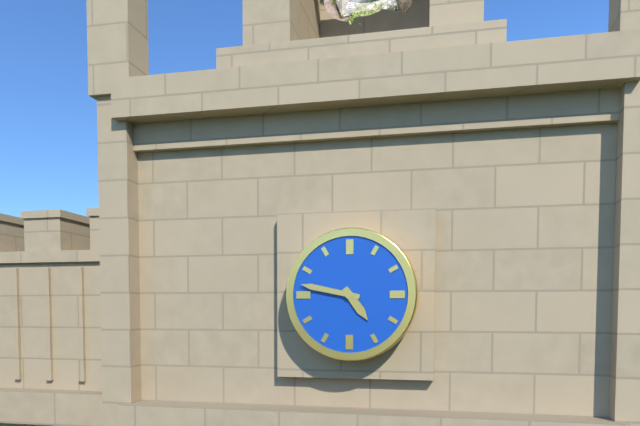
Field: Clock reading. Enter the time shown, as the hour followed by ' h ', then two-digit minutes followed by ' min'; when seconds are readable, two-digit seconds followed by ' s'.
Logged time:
4 h 47 min
